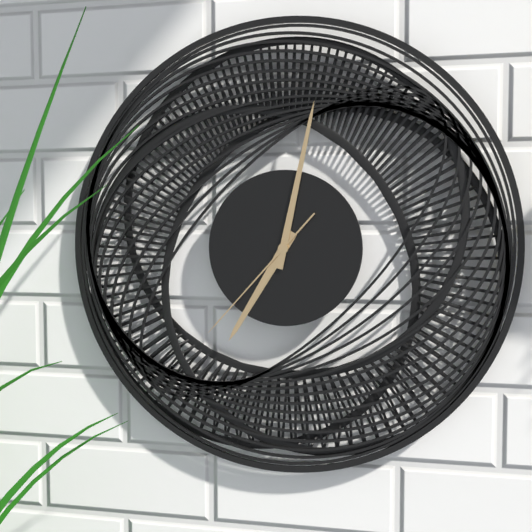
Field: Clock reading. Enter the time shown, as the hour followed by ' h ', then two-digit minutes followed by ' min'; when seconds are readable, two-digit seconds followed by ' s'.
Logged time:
7 h 02 min 37 s
